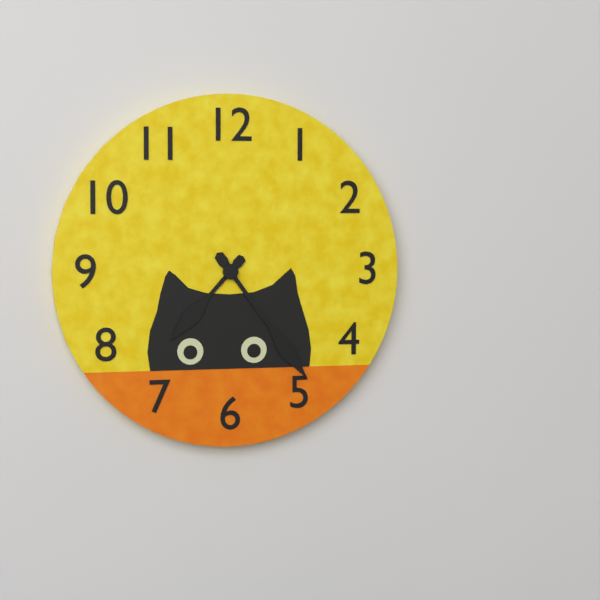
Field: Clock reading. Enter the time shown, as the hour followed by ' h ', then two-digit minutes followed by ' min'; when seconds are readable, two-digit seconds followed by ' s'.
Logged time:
7 h 24 min
